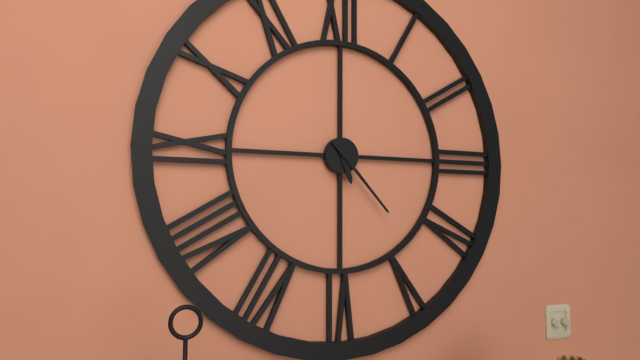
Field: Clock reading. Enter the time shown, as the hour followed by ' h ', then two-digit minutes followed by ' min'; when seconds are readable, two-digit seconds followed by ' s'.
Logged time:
5 h 23 min
